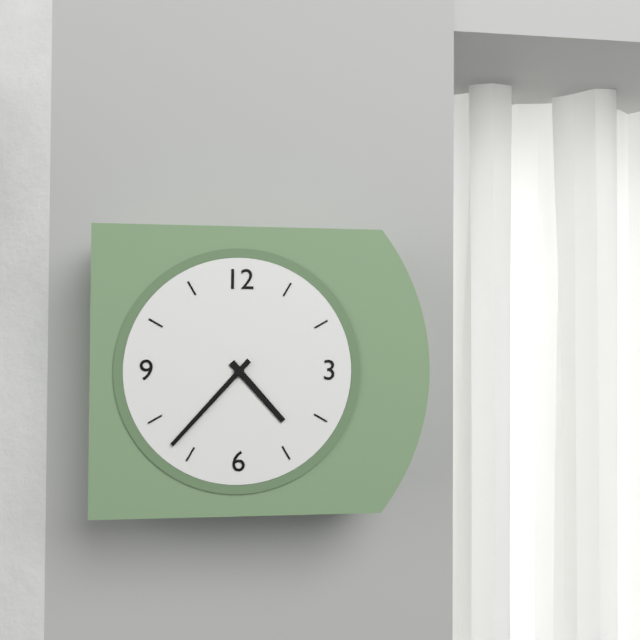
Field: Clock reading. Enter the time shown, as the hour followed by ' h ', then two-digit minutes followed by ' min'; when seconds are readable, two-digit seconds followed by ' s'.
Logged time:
4 h 37 min
